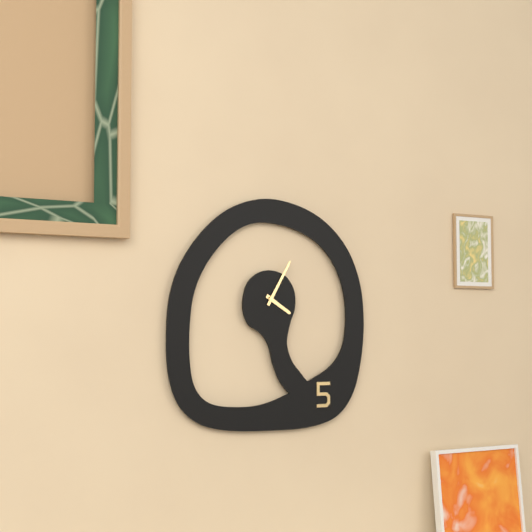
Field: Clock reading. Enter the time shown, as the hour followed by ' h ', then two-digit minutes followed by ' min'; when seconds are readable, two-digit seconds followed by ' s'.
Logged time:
4 h 05 min
